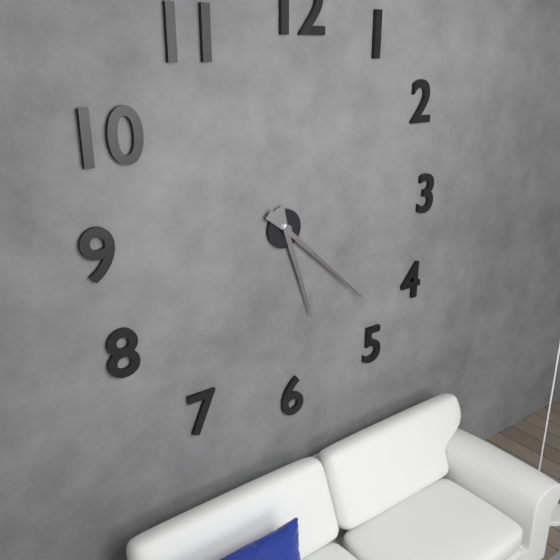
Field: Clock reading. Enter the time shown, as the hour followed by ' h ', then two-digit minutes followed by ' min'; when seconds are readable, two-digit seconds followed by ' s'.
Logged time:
5 h 22 min
